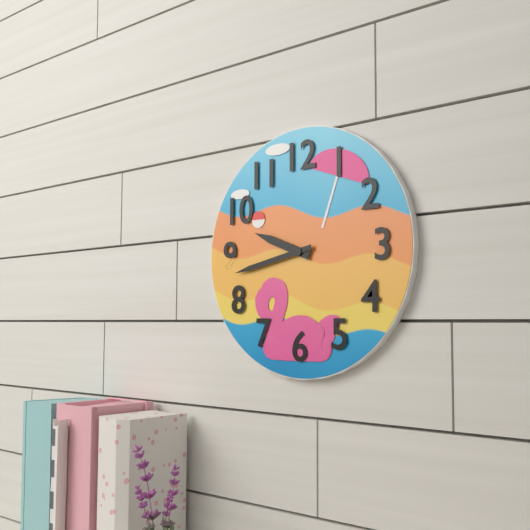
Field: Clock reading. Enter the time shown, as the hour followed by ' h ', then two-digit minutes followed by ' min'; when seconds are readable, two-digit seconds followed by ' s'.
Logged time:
9 h 43 min
